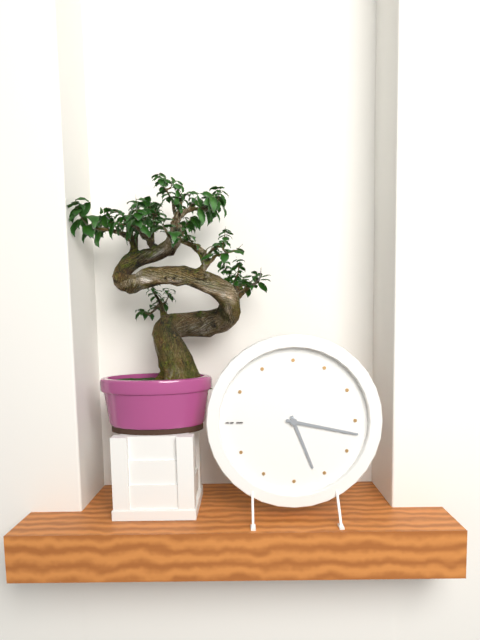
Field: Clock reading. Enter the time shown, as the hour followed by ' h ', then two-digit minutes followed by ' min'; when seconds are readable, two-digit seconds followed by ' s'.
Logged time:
5 h 17 min
